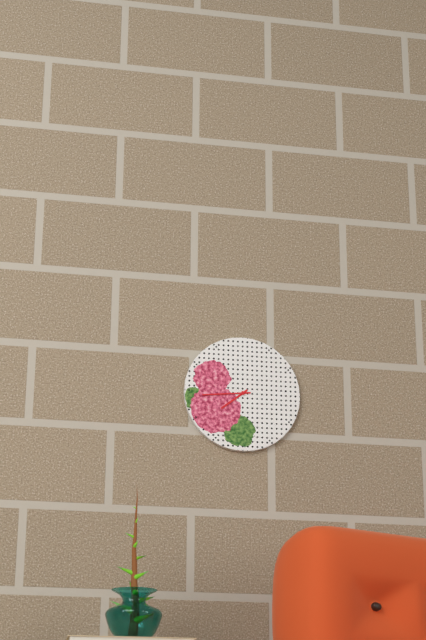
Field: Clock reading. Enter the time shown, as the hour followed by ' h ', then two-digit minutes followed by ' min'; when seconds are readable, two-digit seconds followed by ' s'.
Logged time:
7 h 44 min
